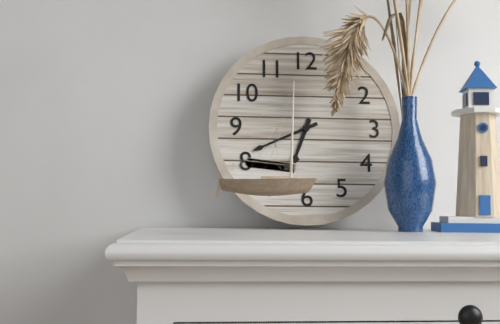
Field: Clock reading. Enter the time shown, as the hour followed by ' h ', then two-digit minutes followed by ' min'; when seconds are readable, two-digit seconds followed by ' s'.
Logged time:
6 h 41 min
